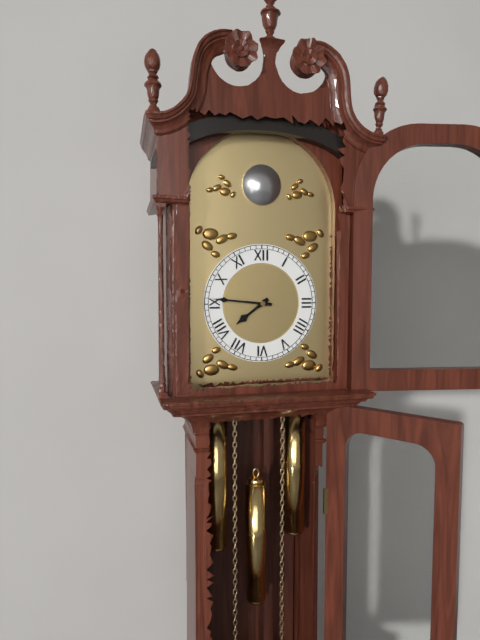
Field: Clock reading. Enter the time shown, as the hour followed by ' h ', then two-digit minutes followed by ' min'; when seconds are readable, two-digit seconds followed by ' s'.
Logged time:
7 h 46 min
